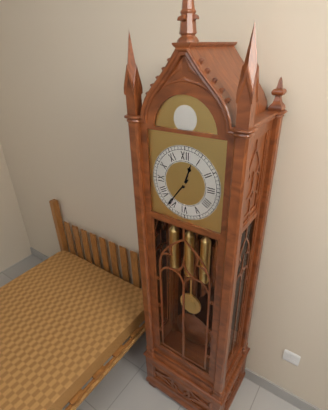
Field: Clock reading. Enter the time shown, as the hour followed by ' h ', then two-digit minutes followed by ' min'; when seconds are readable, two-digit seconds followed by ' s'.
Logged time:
12 h 36 min
